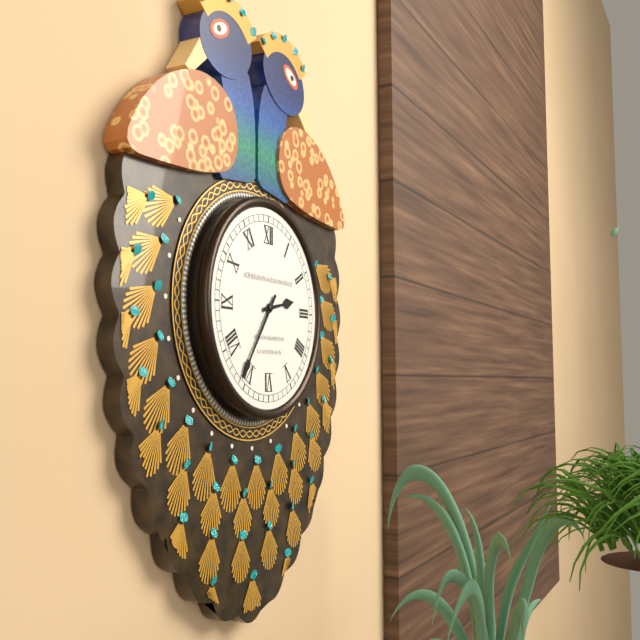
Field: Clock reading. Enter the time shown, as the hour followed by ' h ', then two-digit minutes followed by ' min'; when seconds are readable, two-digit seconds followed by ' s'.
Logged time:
2 h 36 min
